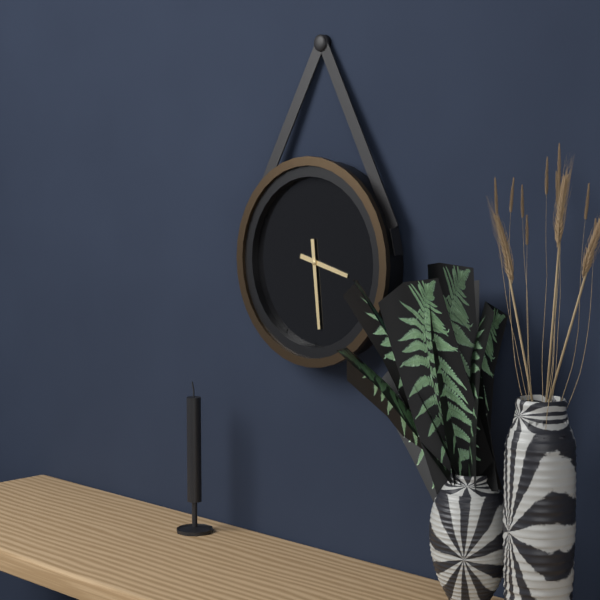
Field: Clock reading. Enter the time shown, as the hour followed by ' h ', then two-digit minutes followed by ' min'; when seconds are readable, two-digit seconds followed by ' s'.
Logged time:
3 h 29 min
